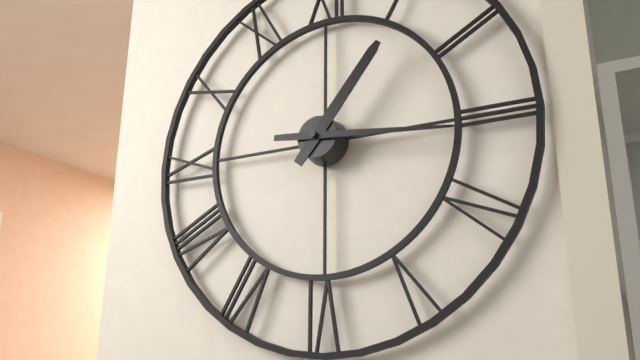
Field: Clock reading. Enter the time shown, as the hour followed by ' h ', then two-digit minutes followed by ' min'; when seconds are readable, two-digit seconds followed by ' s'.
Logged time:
1 h 16 min
